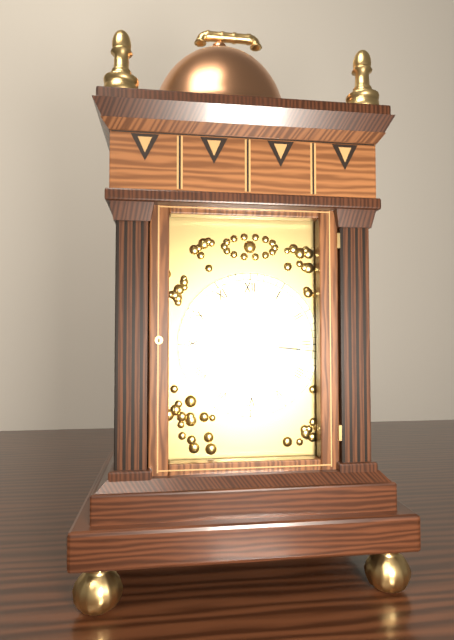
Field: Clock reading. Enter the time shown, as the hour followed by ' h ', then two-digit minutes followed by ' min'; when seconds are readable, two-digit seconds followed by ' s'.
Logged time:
5 h 16 min
